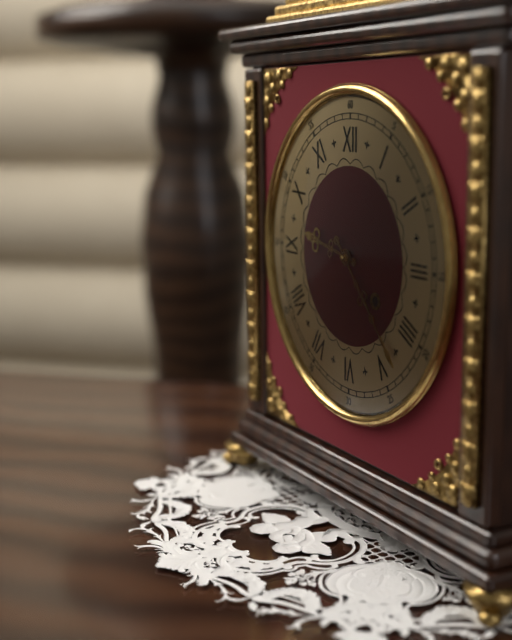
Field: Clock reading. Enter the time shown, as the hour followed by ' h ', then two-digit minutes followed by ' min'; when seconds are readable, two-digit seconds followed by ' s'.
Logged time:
9 h 23 min
